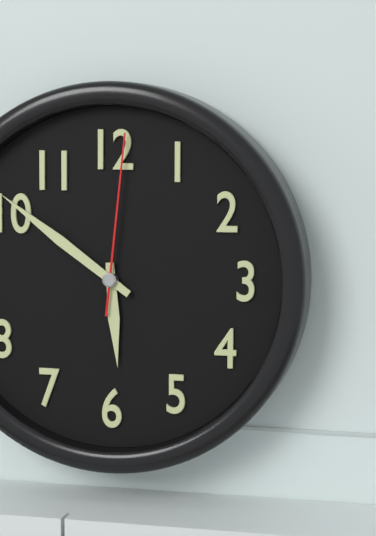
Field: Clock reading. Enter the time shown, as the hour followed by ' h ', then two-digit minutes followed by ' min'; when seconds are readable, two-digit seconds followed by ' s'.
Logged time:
5 h 51 min 01 s
